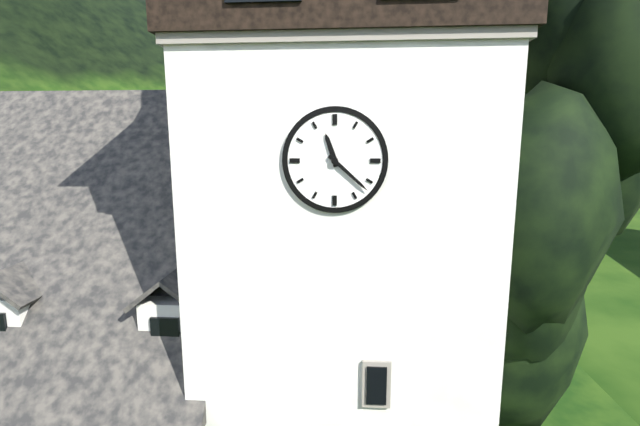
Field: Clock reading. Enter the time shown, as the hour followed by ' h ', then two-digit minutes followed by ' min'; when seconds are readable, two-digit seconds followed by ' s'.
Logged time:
11 h 22 min
